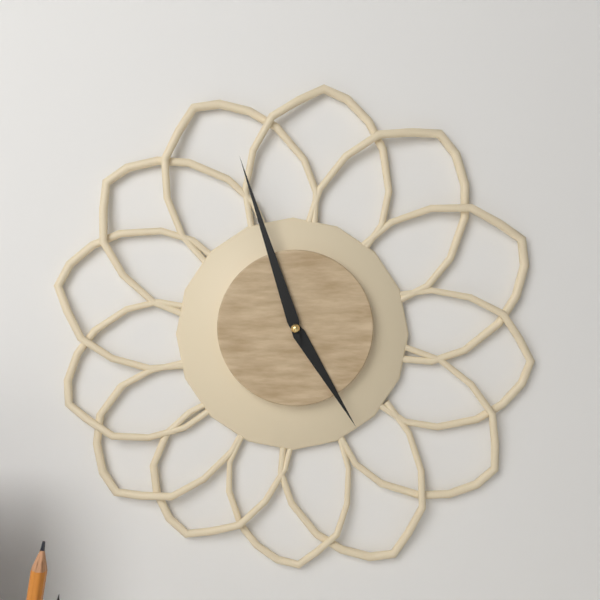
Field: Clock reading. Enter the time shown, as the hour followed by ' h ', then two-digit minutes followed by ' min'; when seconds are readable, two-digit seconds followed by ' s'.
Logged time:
4 h 57 min
